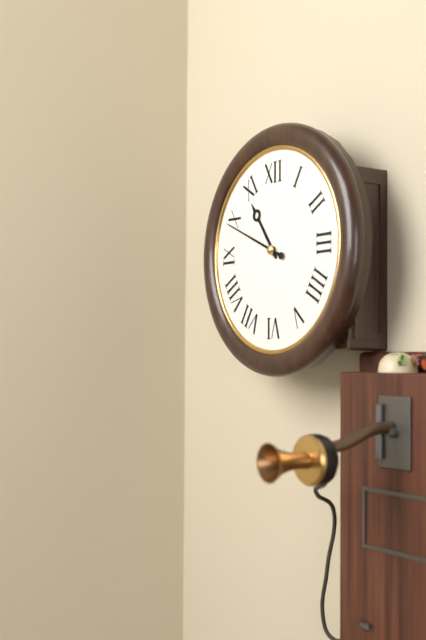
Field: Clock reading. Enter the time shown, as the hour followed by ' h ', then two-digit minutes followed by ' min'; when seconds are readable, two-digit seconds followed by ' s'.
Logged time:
10 h 49 min
